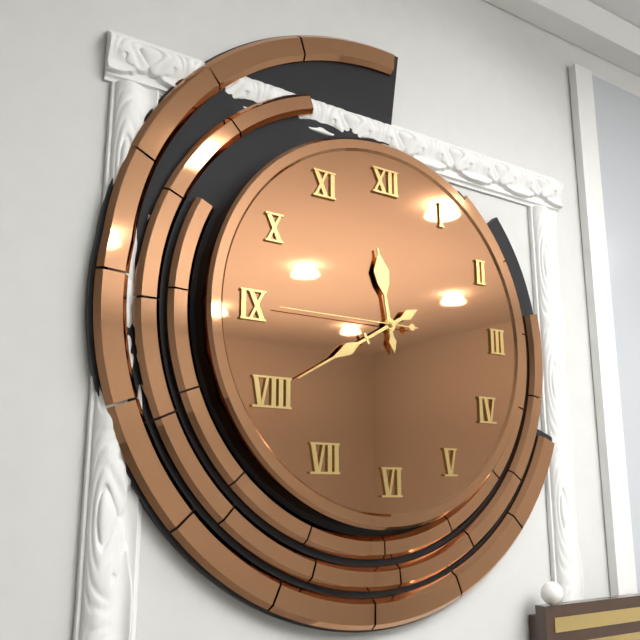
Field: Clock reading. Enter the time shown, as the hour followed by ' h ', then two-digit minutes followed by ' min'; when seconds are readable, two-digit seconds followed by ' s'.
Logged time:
11 h 40 min 45 s
